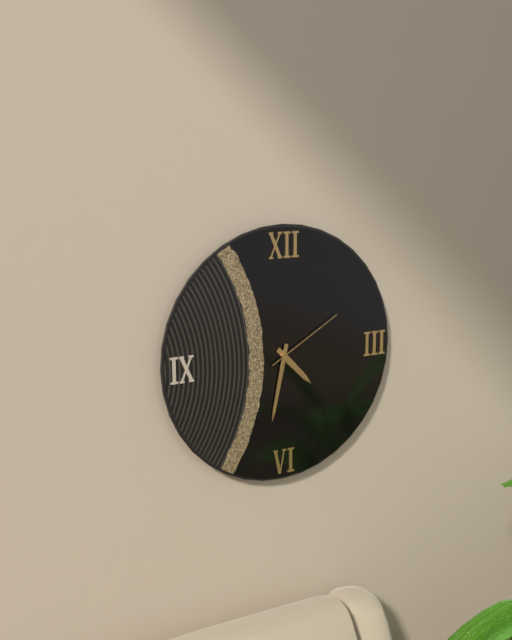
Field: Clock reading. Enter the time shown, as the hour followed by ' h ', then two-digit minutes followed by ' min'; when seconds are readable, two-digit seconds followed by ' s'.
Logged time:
4 h 32 min 10 s
